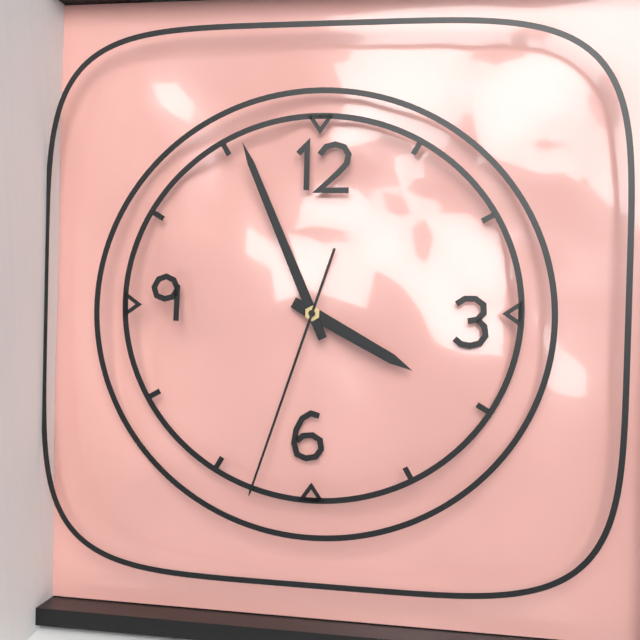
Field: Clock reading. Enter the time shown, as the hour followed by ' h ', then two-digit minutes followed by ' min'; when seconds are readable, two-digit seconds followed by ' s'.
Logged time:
3 h 56 min 33 s
